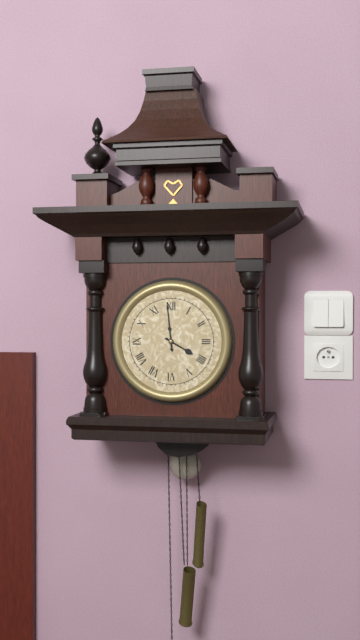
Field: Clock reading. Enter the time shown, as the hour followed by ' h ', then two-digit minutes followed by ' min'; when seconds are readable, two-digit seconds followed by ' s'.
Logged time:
3 h 59 min
